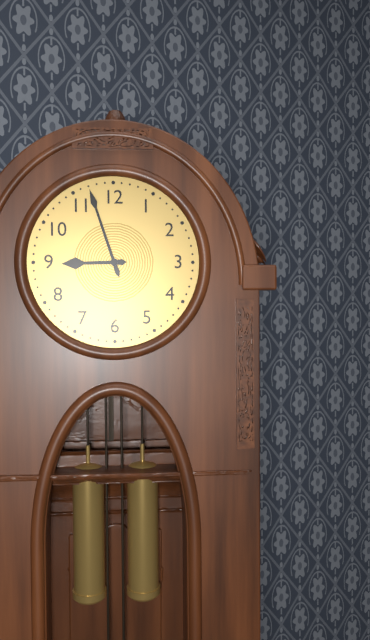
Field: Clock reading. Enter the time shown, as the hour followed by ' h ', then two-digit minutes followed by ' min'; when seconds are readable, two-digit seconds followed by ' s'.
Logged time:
8 h 57 min
